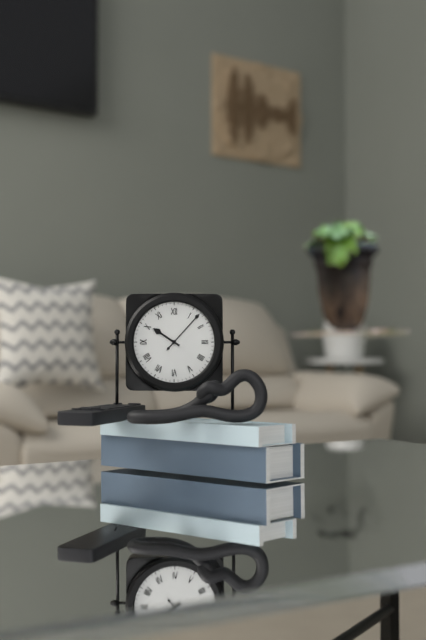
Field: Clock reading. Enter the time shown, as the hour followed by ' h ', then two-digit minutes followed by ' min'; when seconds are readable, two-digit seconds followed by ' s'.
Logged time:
10 h 07 min
